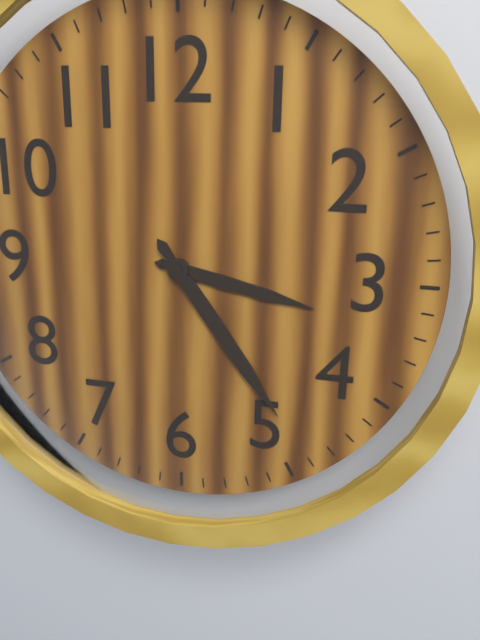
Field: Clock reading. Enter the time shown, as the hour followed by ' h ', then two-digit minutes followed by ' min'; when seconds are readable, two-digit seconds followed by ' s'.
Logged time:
3 h 24 min
